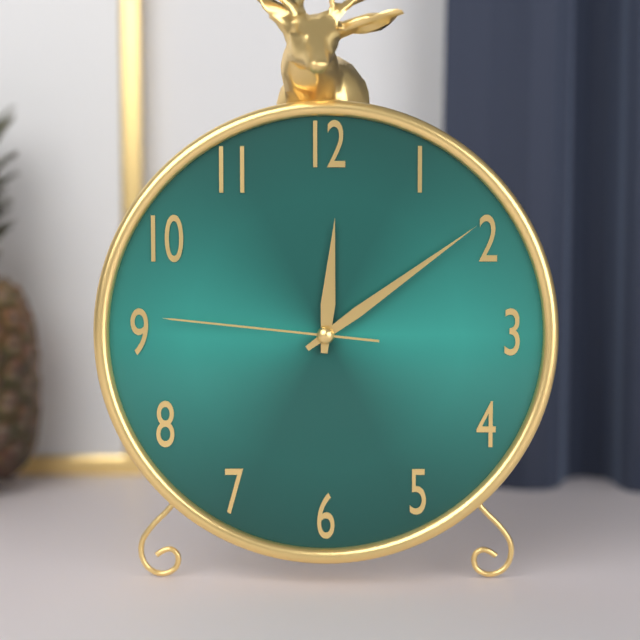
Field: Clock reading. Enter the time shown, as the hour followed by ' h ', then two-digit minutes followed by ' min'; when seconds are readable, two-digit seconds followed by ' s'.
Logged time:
12 h 09 min 46 s
